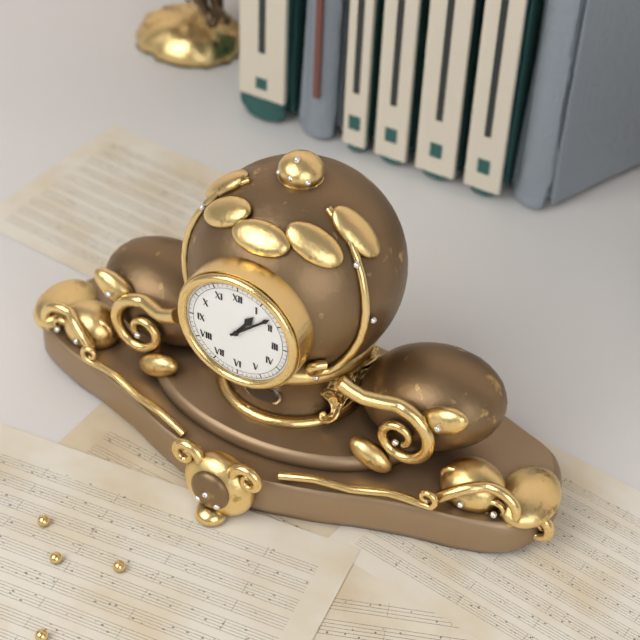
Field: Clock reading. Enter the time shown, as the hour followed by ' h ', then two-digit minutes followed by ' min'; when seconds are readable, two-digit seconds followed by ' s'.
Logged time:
1 h 08 min
